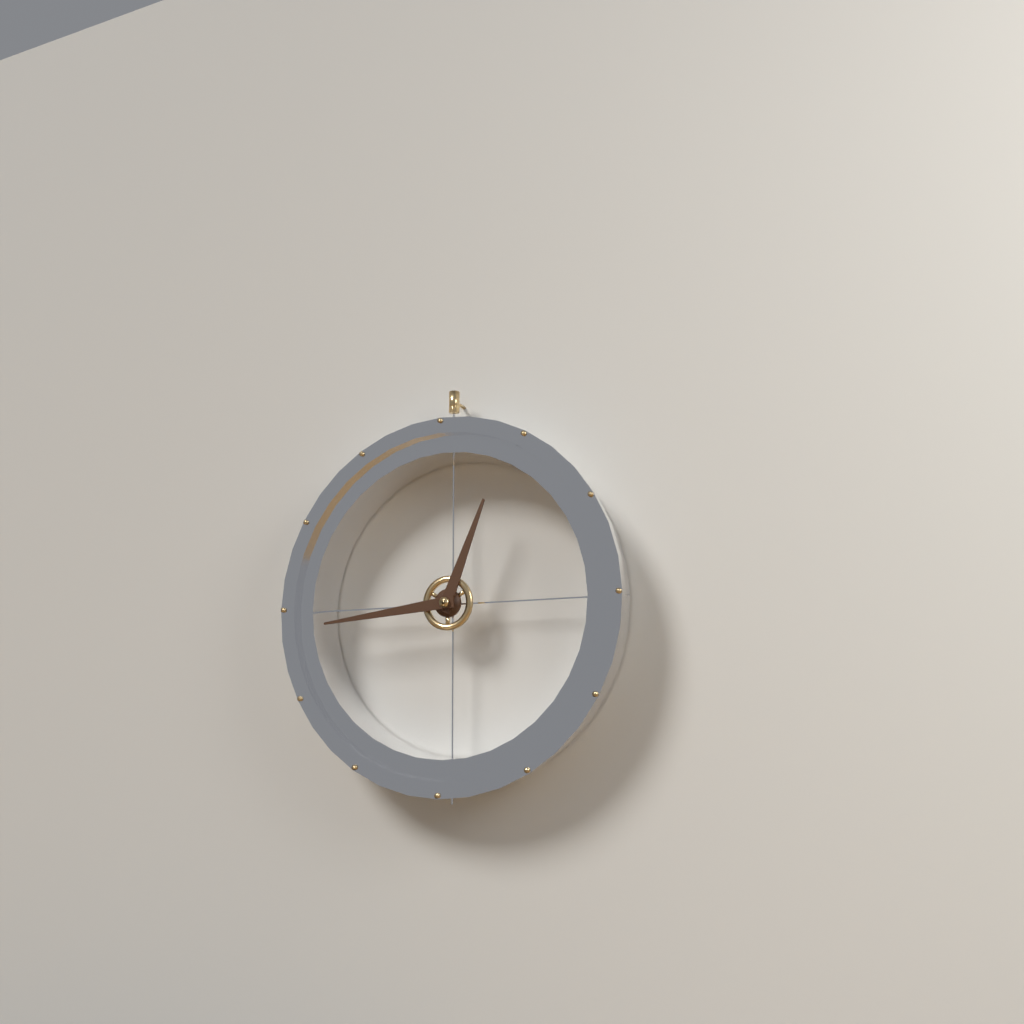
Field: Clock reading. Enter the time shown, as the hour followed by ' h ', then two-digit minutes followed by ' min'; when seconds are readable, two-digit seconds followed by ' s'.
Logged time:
12 h 44 min
